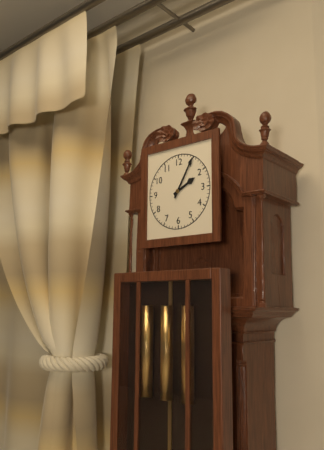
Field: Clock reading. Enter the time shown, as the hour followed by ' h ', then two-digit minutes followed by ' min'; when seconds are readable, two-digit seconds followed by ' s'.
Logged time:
2 h 05 min
